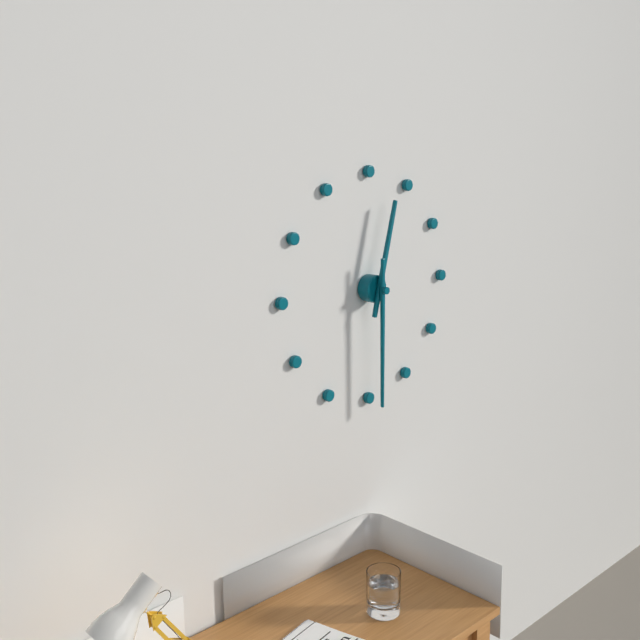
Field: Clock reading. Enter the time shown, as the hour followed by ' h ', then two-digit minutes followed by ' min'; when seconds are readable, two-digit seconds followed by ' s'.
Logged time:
12 h 30 min
